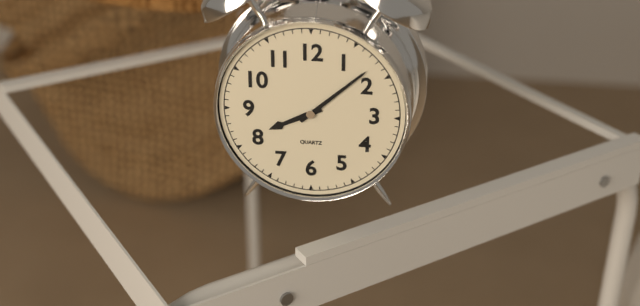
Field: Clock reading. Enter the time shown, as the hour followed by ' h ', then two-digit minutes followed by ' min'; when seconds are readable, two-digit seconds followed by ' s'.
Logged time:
8 h 08 min
